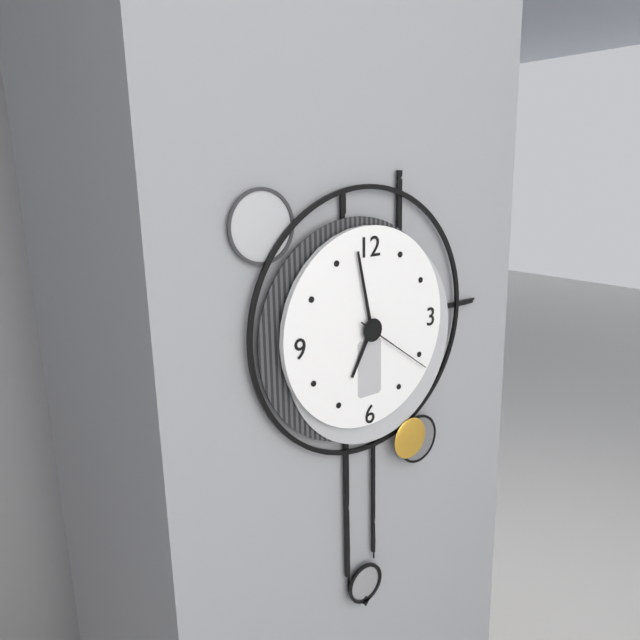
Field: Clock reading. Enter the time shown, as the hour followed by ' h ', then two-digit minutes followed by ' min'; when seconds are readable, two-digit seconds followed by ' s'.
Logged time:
6 h 58 min 21 s
